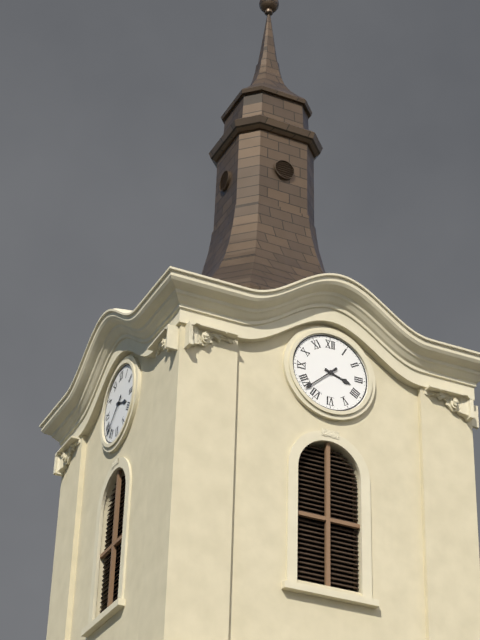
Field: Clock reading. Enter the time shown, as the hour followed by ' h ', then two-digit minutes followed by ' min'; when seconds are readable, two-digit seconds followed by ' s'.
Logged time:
3 h 38 min
